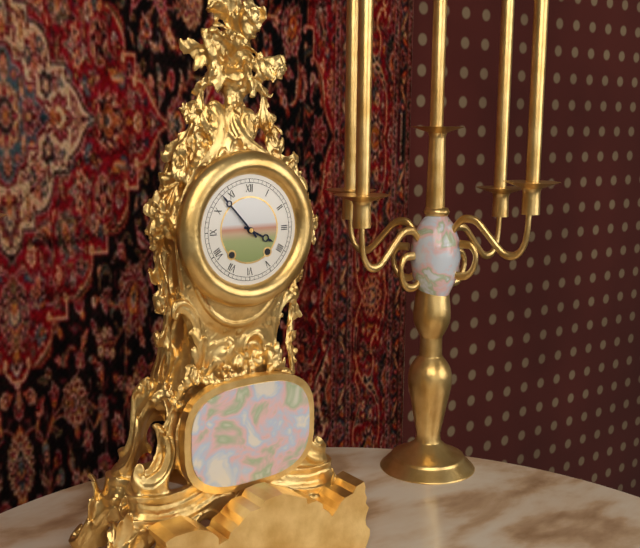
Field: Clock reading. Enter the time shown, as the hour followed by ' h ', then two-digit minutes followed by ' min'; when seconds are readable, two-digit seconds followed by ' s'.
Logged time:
3 h 53 min
